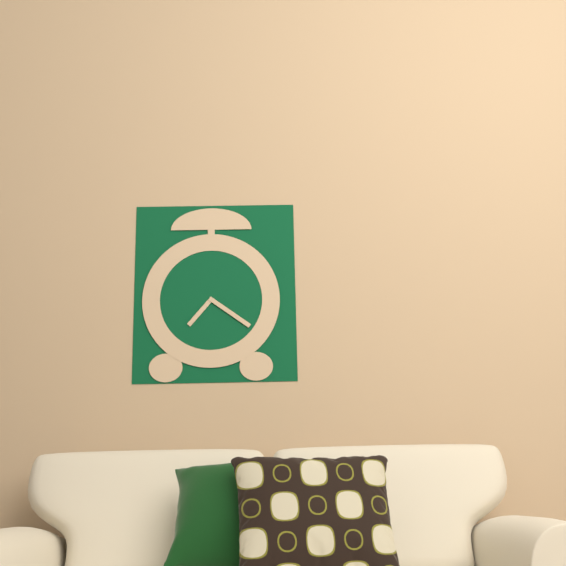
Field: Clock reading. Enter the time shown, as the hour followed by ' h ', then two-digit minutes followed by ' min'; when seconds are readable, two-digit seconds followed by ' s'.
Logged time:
7 h 21 min
